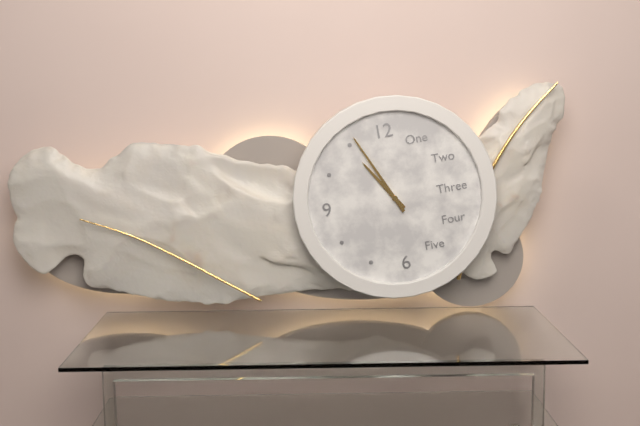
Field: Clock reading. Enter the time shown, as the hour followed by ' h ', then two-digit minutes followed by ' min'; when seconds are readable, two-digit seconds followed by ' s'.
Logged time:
10 h 56 min
